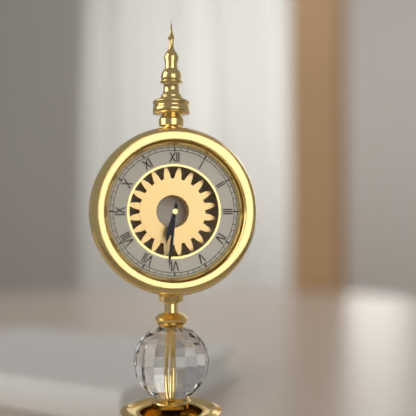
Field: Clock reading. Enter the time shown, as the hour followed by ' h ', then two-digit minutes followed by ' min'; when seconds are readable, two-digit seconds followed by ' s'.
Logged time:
6 h 31 min
